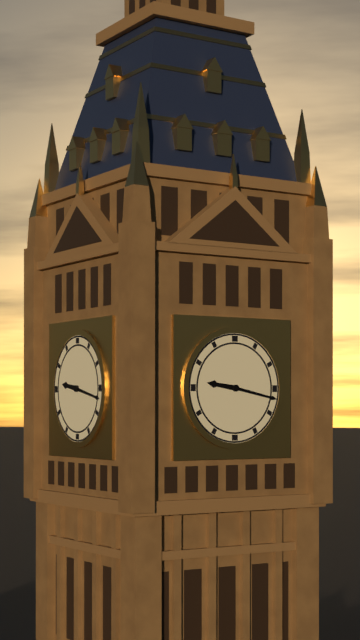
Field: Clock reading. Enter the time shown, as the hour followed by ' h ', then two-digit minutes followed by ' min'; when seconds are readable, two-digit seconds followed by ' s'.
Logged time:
9 h 17 min
